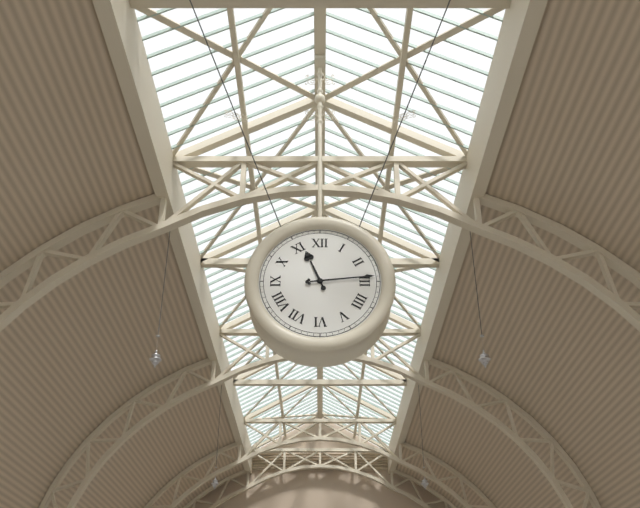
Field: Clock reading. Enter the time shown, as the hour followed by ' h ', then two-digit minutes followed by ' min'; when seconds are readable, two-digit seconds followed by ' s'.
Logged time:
11 h 14 min
